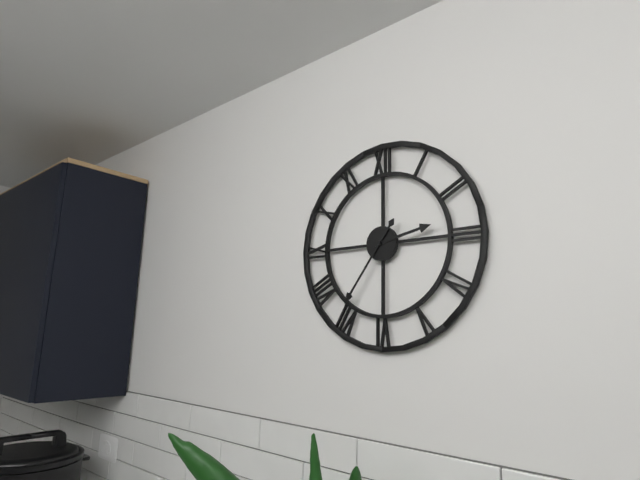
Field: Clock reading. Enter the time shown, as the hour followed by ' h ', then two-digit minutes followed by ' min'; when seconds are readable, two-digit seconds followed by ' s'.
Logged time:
2 h 36 min
